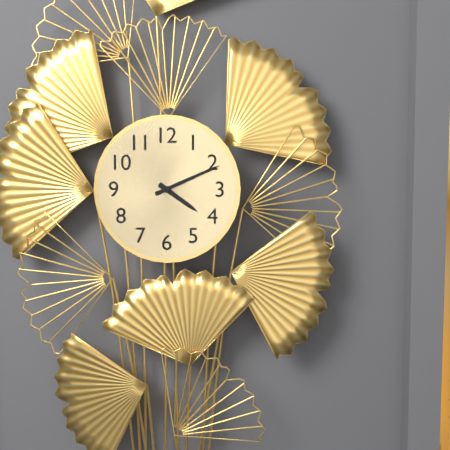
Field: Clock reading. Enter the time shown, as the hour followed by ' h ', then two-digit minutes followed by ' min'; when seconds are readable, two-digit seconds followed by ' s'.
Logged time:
4 h 11 min
